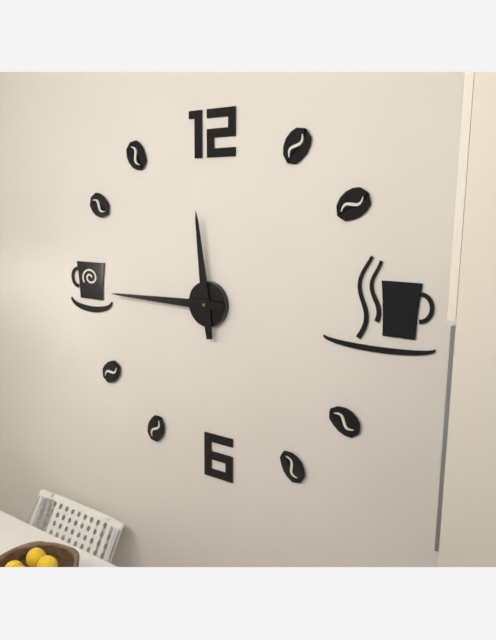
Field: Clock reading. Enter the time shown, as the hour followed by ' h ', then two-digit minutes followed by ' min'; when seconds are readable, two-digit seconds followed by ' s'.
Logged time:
11 h 45 min
